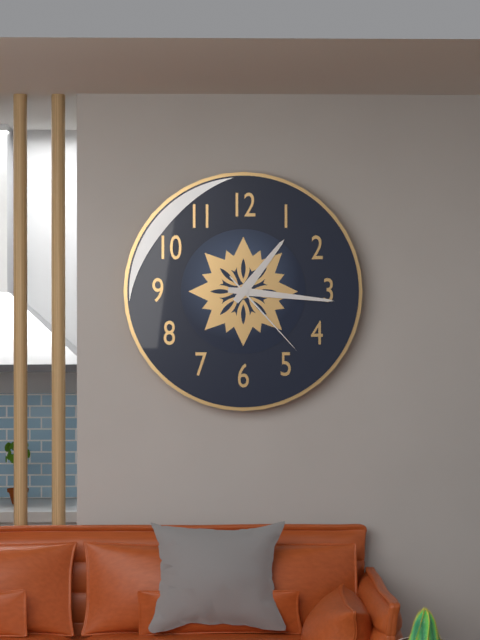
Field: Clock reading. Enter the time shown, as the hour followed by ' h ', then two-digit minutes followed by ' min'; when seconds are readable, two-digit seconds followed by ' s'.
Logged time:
1 h 16 min 23 s
